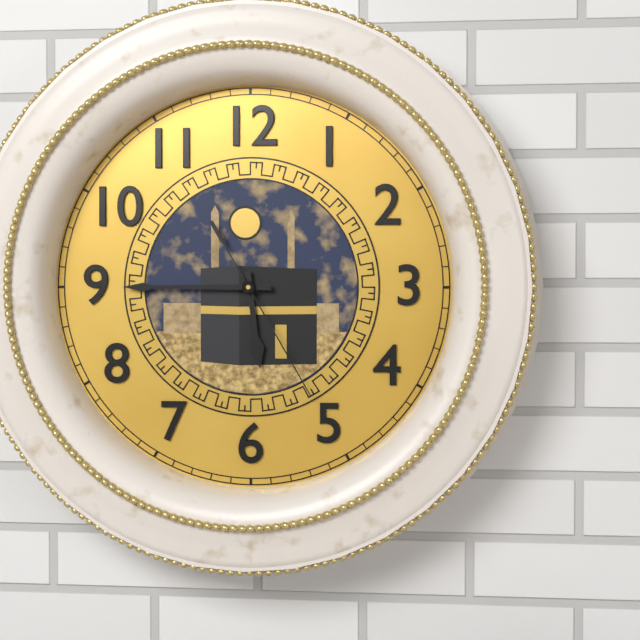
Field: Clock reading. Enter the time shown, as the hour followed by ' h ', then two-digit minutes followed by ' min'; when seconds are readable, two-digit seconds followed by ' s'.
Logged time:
5 h 45 min 25 s
